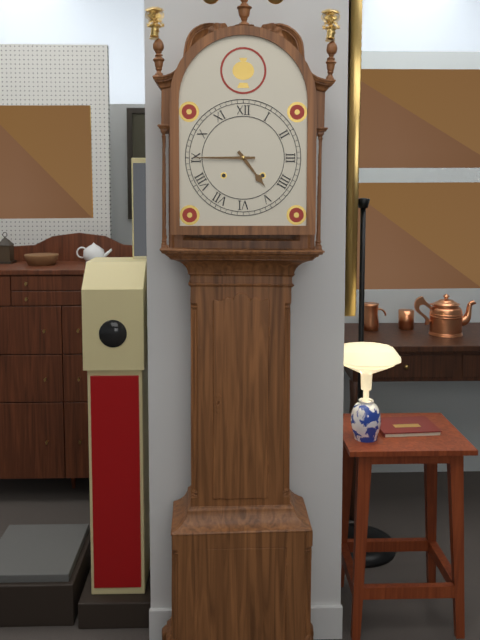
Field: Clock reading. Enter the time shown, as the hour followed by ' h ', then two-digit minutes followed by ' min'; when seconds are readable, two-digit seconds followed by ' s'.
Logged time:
4 h 45 min
